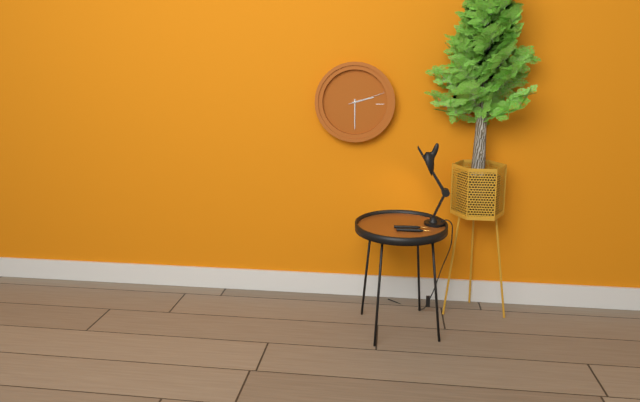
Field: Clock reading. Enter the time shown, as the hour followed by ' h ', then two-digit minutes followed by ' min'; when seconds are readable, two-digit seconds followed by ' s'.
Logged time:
2 h 30 min
